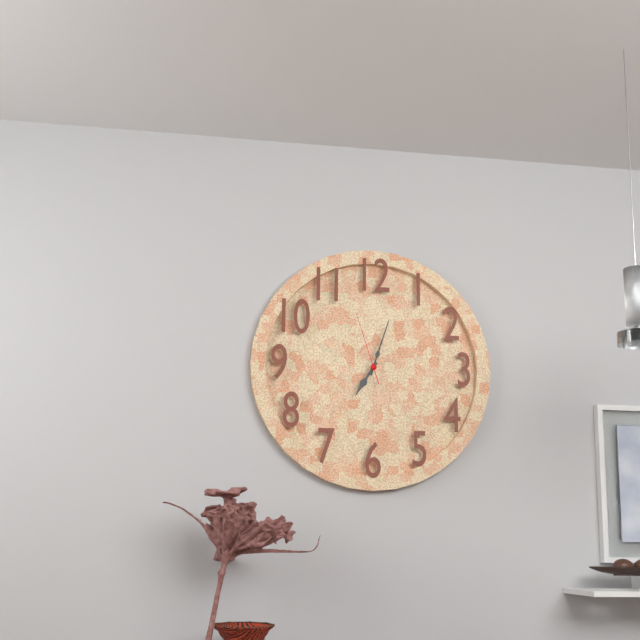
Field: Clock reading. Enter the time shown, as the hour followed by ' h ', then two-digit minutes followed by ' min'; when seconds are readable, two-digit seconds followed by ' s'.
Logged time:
7 h 03 min 57 s
